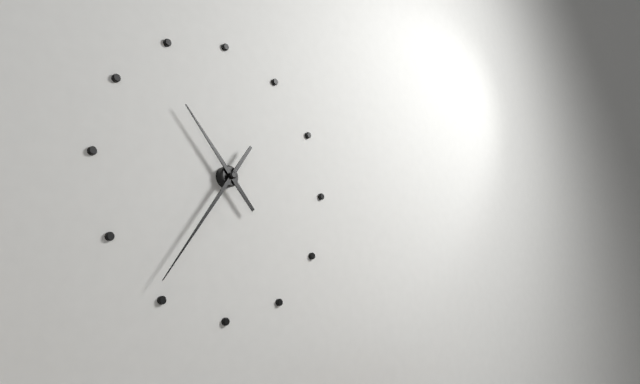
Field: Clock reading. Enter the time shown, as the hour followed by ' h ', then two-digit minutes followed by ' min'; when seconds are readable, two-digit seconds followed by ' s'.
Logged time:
10 h 36 min
